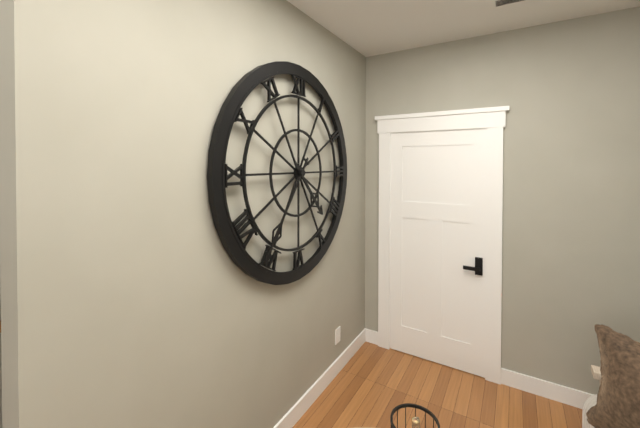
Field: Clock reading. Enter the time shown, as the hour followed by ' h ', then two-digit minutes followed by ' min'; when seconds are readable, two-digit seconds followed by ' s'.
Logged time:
4 h 36 min
